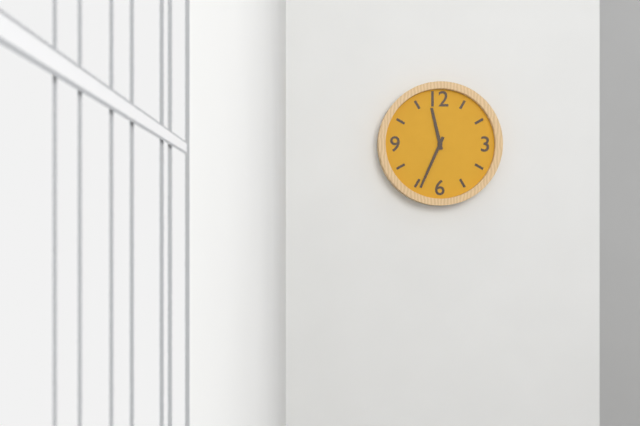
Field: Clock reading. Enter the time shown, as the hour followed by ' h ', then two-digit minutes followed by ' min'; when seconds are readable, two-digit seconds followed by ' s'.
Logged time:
11 h 34 min
